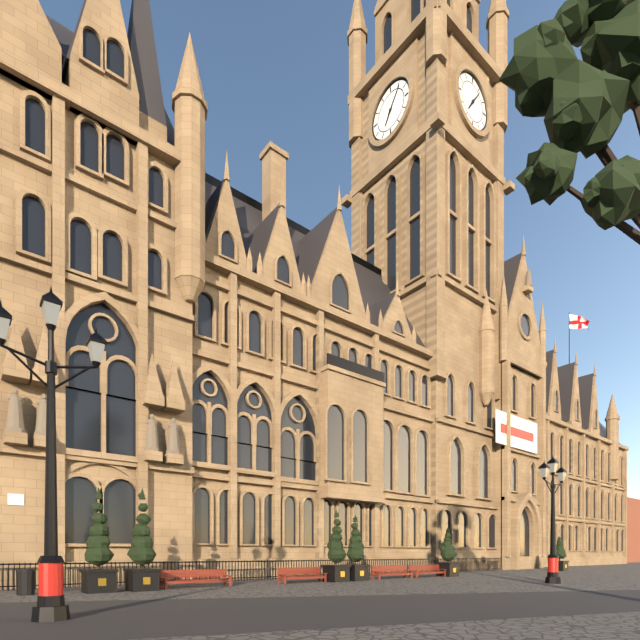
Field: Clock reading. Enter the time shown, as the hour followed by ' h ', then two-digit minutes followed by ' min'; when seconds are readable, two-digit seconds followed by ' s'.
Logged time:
7 h 06 min
